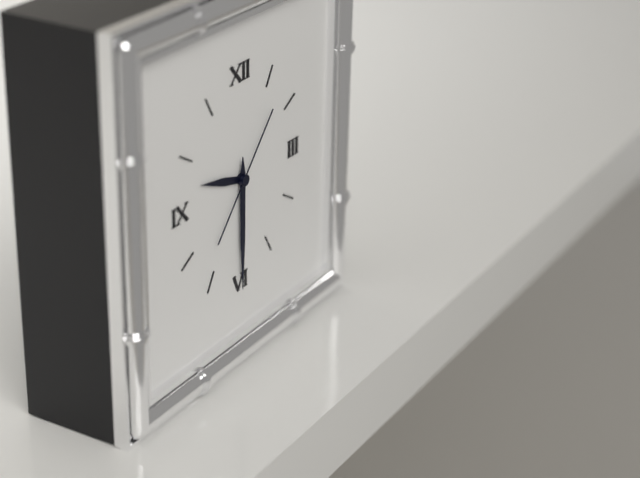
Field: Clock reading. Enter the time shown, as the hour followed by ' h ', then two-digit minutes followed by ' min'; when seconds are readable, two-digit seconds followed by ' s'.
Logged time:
9 h 30 min 07 s
